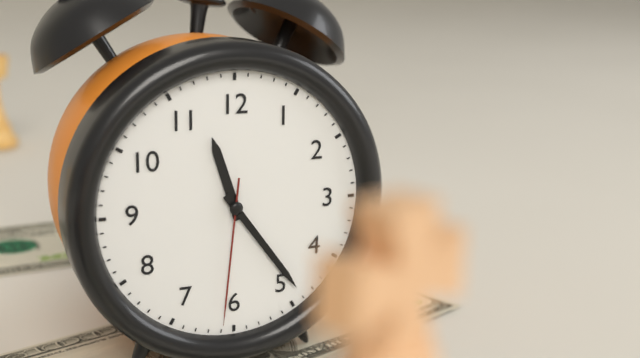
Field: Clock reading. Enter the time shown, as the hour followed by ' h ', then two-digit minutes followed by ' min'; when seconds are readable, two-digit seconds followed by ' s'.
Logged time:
11 h 24 min 31 s
